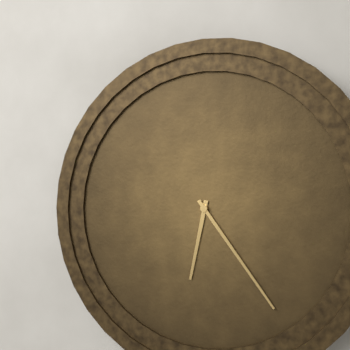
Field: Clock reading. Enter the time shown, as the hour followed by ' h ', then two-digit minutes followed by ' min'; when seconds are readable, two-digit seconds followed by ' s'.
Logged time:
6 h 24 min
